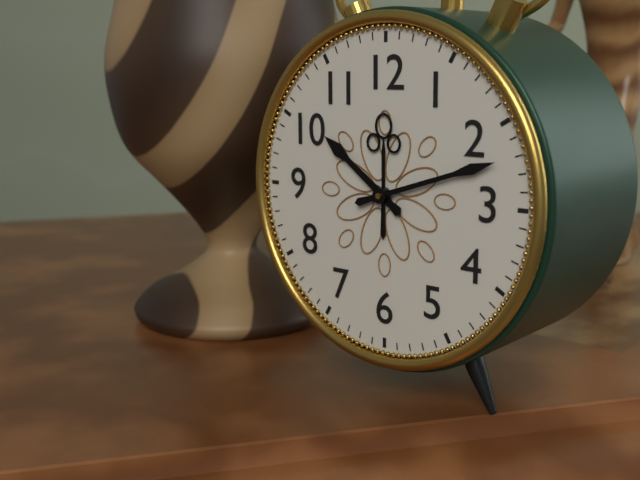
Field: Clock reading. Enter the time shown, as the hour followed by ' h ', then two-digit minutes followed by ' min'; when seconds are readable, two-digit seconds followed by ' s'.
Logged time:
10 h 12 min
